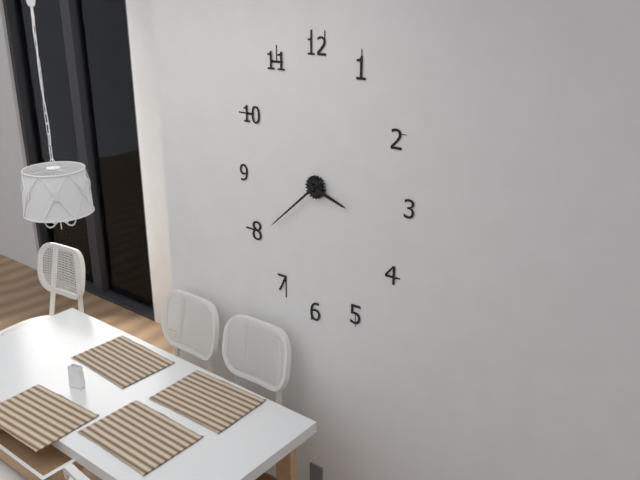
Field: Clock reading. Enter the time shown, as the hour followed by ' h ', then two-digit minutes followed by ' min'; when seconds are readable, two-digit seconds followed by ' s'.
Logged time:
3 h 38 min
